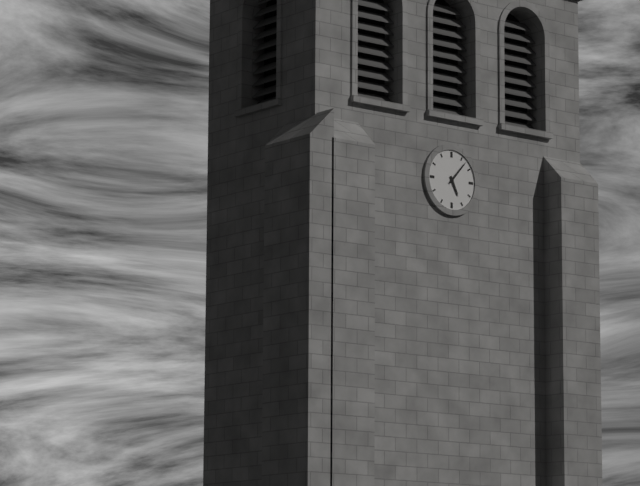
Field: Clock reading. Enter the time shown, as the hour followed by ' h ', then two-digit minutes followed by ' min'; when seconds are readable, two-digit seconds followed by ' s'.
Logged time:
5 h 07 min
